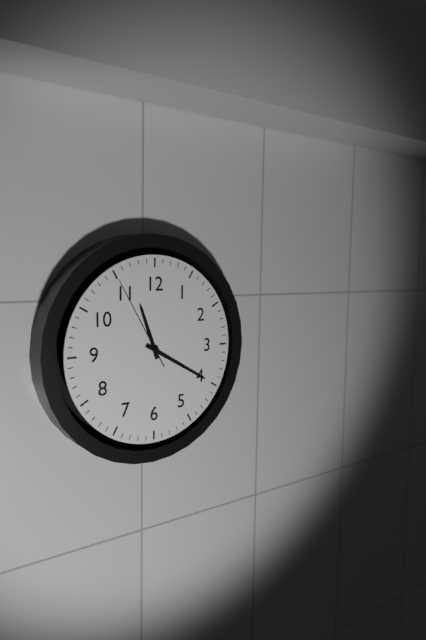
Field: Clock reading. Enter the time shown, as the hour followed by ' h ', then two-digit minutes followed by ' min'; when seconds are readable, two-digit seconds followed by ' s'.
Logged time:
11 h 20 min 55 s
